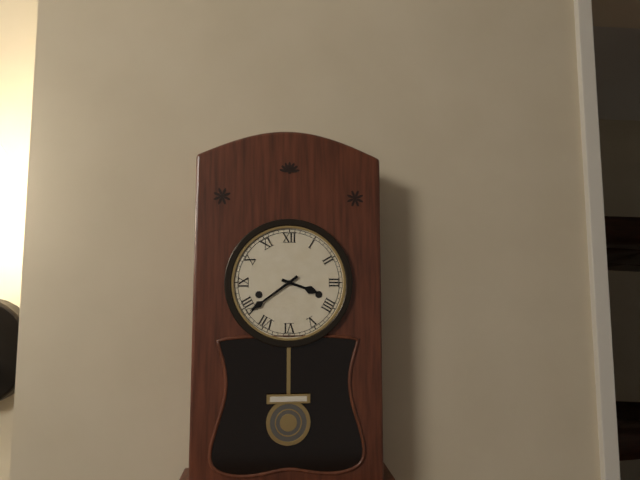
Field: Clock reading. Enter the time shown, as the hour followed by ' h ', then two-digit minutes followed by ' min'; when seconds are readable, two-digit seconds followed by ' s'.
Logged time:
3 h 39 min
